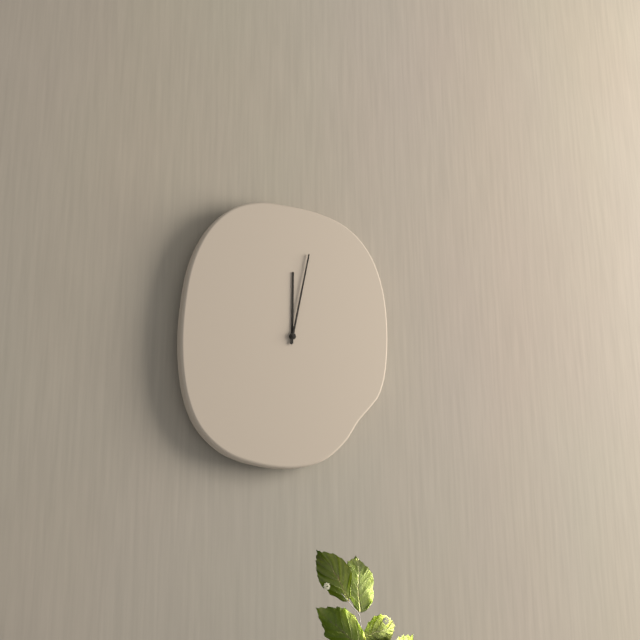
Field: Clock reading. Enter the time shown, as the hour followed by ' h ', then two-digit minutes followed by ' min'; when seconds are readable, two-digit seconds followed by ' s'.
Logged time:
12 h 02 min
